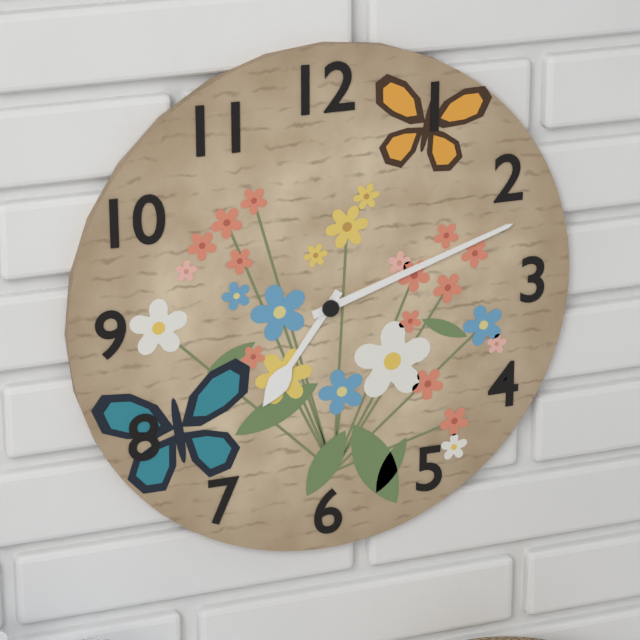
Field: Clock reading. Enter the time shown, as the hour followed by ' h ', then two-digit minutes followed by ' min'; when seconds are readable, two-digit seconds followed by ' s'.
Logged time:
7 h 12 min
